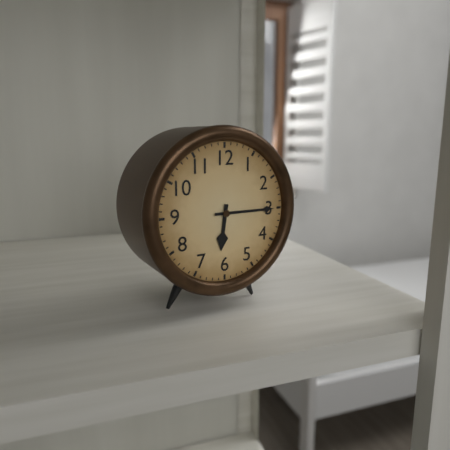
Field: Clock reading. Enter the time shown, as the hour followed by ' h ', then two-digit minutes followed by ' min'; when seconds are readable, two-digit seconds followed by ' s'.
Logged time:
6 h 15 min
